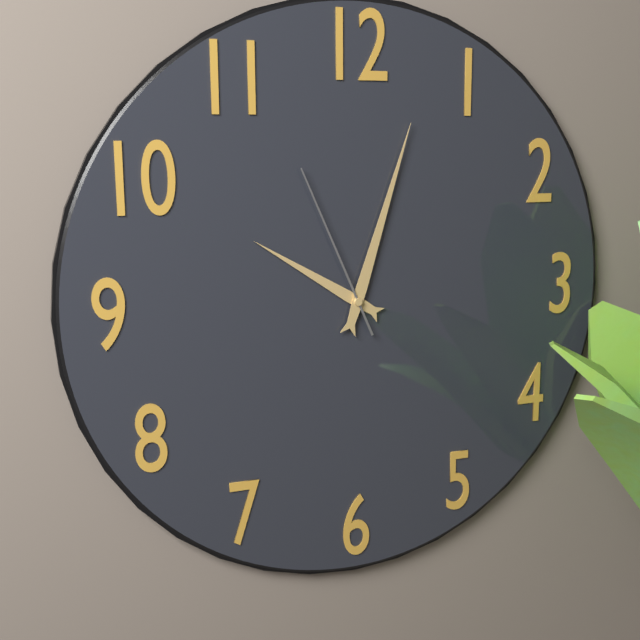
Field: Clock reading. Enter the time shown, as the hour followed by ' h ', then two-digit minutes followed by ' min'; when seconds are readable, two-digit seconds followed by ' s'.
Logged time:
10 h 03 min 56 s
